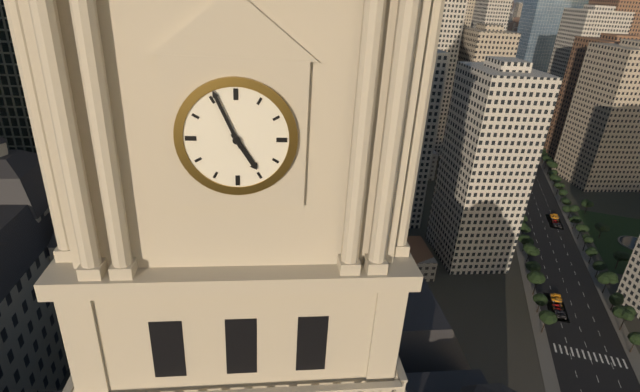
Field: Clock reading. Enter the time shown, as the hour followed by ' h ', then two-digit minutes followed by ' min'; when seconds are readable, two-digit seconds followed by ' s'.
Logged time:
4 h 56 min
